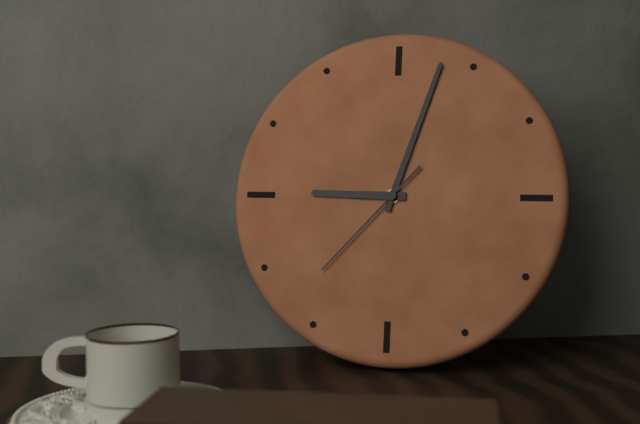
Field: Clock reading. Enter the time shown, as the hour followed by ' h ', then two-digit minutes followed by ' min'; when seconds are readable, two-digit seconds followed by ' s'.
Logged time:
9 h 03 min 37 s
